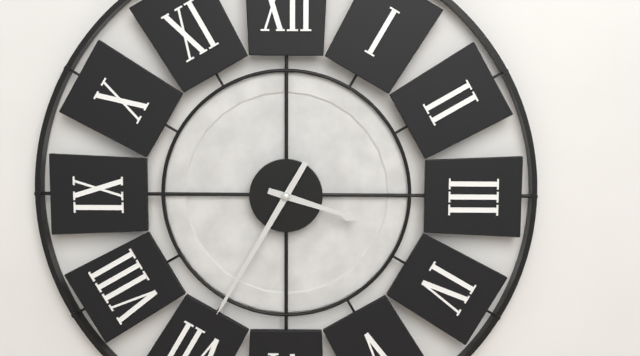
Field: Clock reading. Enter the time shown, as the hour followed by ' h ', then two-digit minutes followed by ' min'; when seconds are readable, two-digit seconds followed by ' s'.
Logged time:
3 h 35 min
